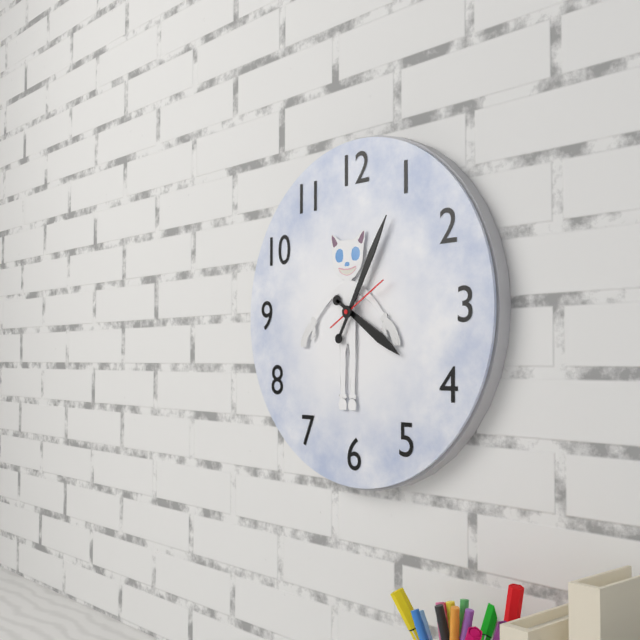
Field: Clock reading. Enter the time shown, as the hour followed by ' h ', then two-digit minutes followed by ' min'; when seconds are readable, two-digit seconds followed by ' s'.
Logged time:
4 h 05 min 10 s
